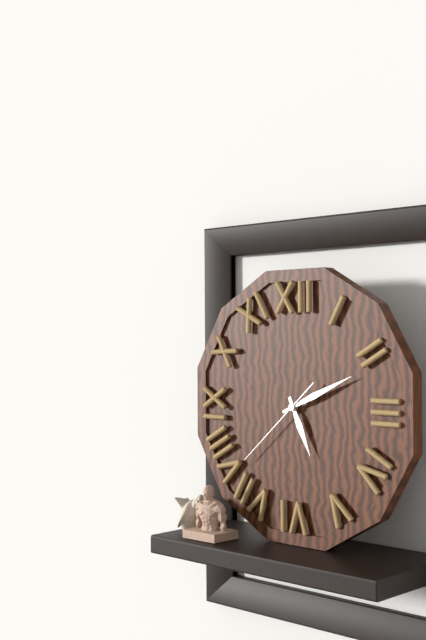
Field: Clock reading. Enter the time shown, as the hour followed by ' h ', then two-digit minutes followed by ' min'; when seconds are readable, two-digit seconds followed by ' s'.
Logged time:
5 h 11 min 38 s
